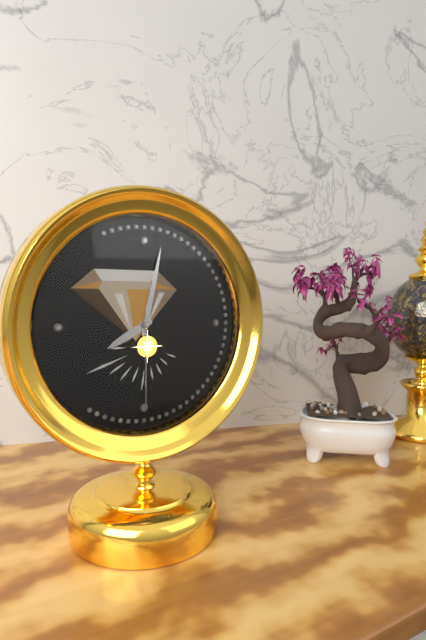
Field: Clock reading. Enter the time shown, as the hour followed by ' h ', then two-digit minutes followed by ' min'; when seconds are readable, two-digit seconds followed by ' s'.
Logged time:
8 h 02 min 30 s
